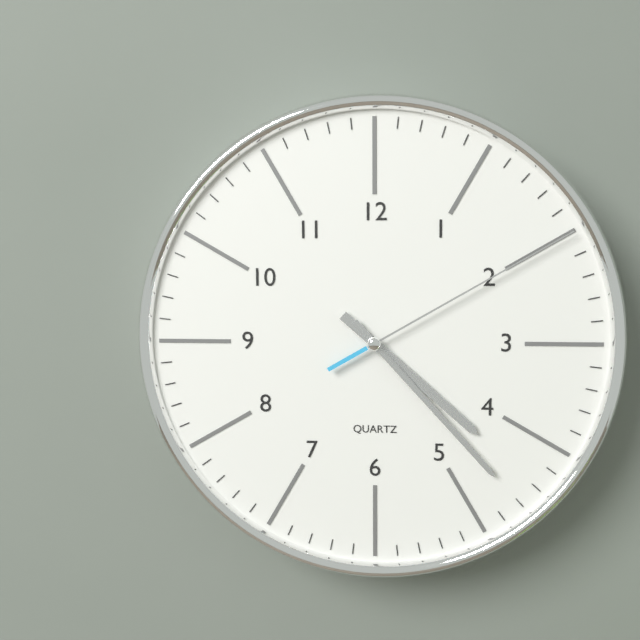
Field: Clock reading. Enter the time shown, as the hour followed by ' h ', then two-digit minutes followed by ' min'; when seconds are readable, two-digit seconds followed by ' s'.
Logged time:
4 h 23 min 10 s
